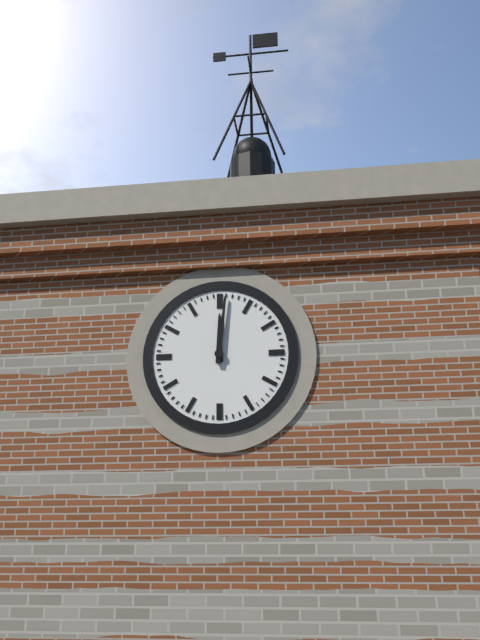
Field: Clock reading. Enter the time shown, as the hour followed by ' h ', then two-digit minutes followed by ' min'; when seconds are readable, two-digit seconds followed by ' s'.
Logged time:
12 h 01 min
